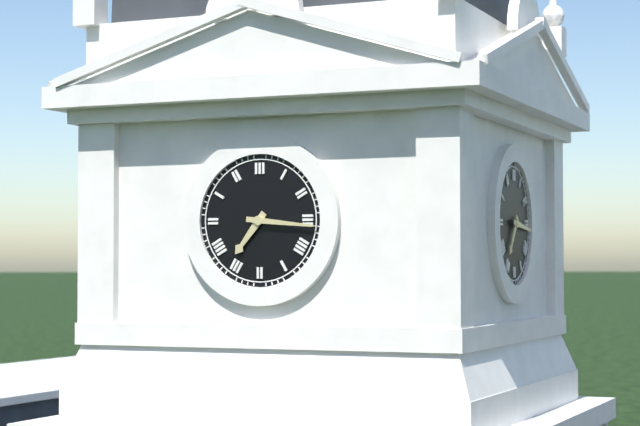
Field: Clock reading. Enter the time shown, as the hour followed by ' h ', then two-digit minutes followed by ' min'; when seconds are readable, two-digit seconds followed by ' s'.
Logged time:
7 h 16 min
